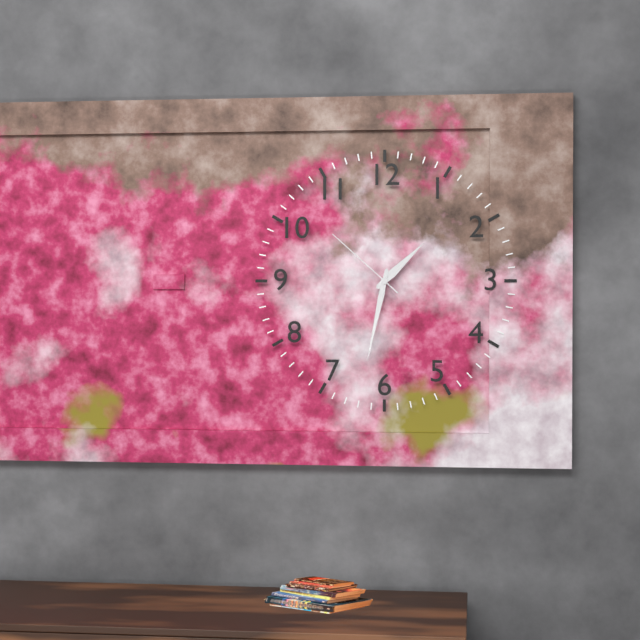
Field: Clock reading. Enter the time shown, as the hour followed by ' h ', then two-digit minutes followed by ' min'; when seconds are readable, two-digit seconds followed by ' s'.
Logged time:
1 h 32 min 52 s
